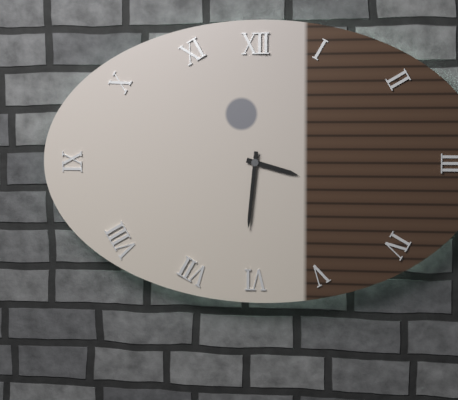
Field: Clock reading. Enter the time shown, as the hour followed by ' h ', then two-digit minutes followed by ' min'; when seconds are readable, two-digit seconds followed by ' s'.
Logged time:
3 h 31 min
